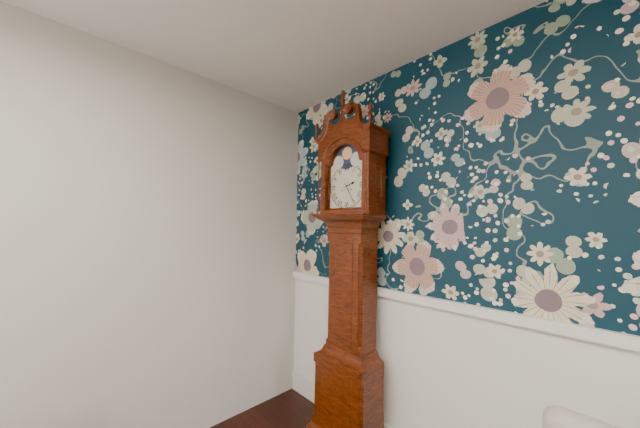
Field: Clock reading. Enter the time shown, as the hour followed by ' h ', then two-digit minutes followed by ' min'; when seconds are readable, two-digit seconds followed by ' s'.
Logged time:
2 h 25 min
